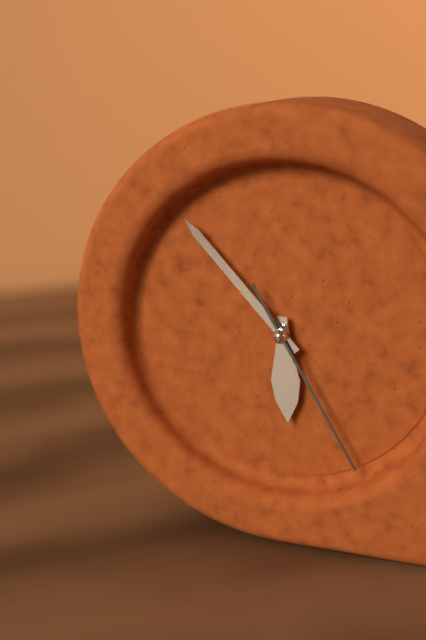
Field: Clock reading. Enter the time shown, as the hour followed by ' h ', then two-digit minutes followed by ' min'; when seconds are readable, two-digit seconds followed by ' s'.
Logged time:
5 h 53 min 25 s
